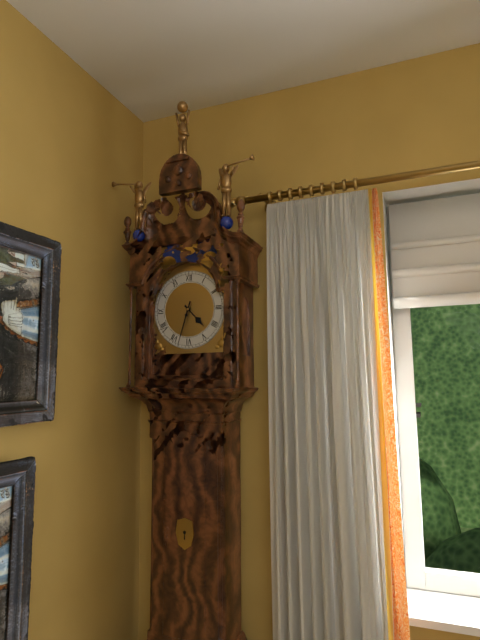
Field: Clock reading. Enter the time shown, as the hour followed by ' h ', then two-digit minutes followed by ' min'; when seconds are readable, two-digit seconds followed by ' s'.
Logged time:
4 h 33 min
